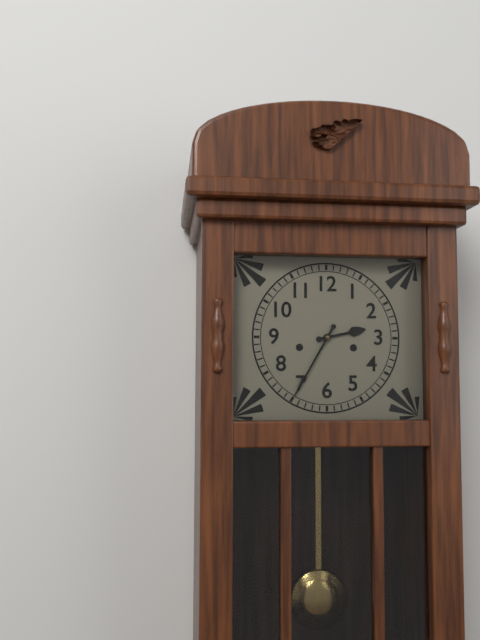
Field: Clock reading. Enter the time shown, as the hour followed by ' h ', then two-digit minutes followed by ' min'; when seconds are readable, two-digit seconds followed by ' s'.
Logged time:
2 h 35 min
